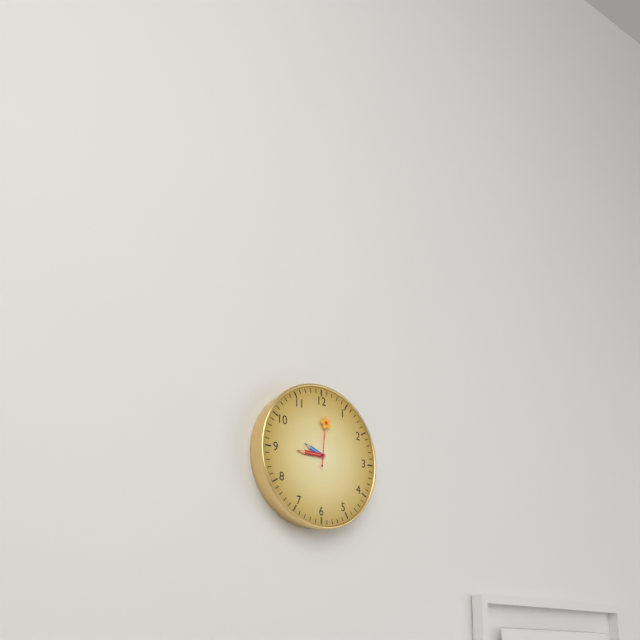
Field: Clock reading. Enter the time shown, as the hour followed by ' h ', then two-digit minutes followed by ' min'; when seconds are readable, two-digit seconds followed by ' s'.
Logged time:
9 h 45 min 01 s
